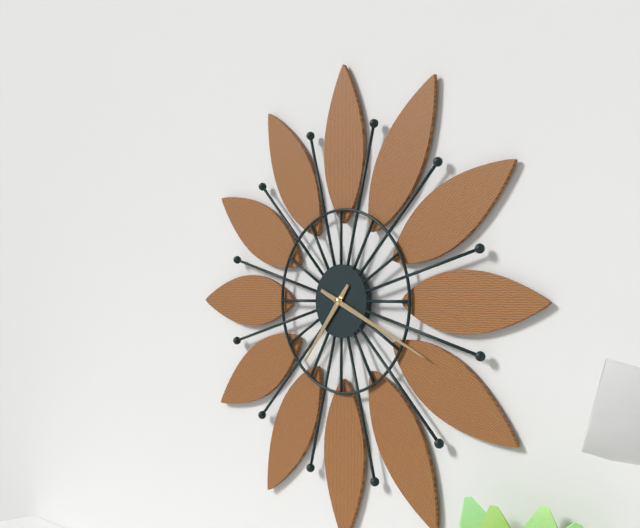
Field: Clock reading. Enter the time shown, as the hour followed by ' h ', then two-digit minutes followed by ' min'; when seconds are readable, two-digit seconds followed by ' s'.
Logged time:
7 h 19 min
